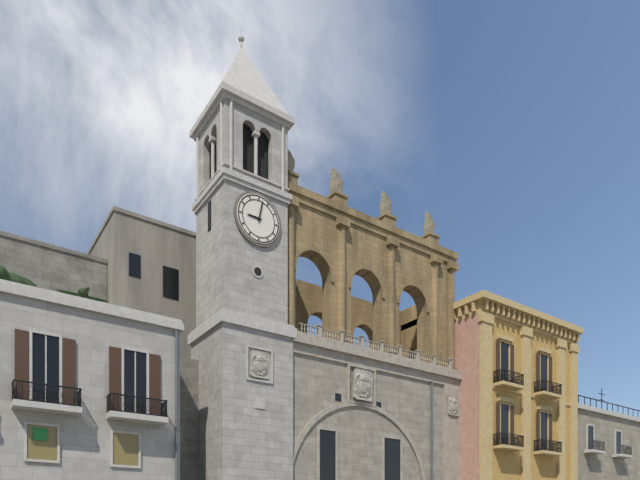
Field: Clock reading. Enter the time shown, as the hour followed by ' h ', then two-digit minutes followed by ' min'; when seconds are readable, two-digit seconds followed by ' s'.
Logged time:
9 h 02 min
